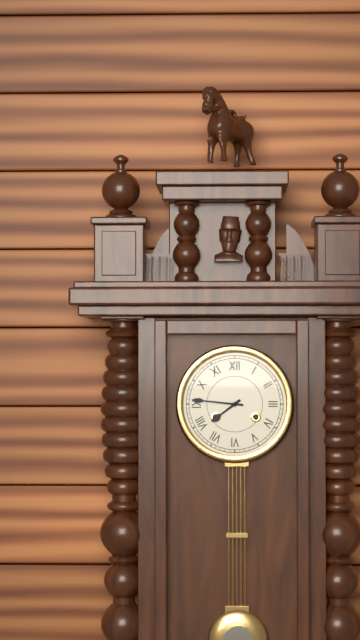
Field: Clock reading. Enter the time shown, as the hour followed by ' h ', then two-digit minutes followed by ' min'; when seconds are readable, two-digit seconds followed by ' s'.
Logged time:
7 h 46 min
